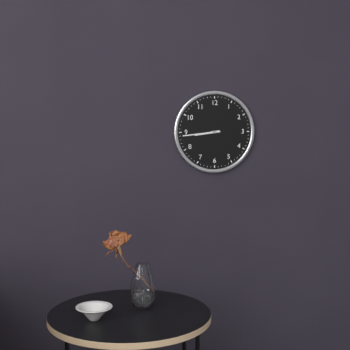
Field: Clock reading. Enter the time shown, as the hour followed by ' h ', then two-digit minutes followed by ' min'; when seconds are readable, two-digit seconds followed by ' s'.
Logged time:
8 h 44 min
